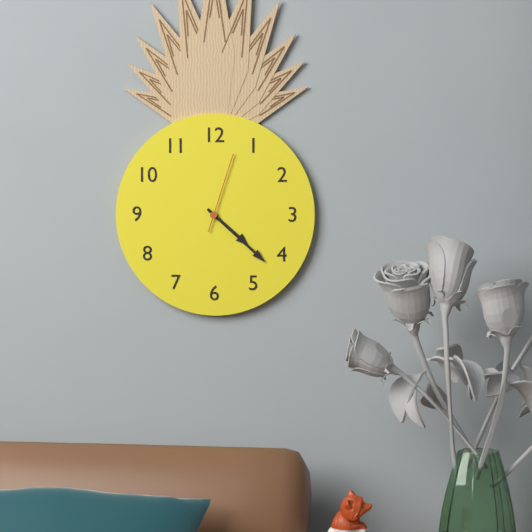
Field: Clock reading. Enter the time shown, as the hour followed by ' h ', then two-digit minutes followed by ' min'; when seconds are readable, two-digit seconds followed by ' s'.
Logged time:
4 h 22 min 03 s
